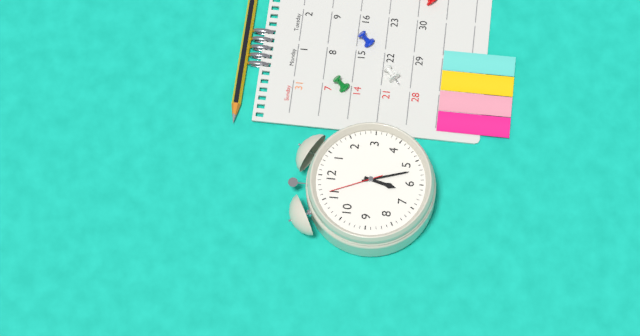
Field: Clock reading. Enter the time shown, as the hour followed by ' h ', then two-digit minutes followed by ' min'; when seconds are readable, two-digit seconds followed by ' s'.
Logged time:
6 h 27 min 56 s
